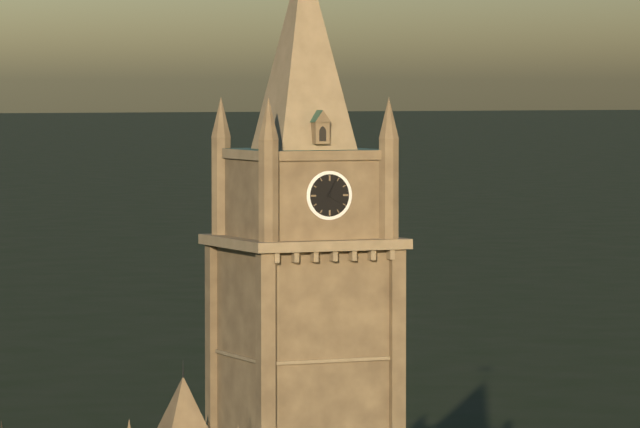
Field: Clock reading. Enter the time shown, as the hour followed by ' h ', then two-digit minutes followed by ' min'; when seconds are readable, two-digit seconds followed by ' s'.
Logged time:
4 h 04 min
